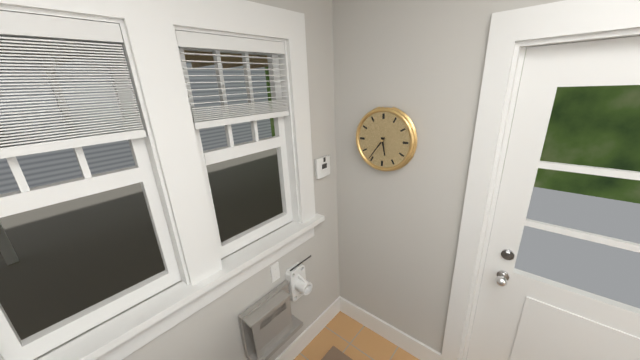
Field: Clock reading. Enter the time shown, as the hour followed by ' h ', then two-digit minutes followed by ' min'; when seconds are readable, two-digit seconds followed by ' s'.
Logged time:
5 h 36 min
